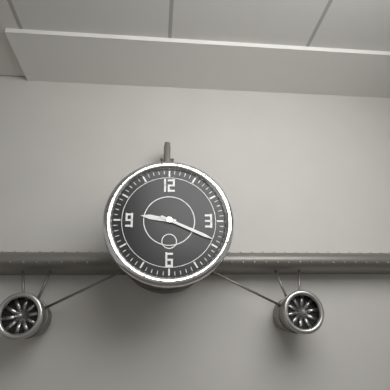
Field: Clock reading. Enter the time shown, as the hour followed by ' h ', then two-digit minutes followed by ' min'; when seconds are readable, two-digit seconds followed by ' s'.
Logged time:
9 h 19 min
